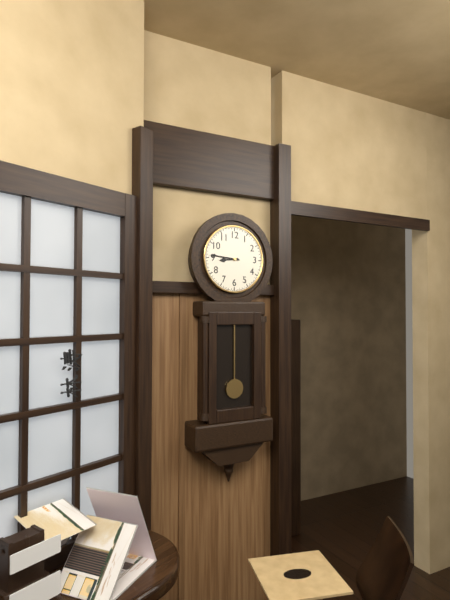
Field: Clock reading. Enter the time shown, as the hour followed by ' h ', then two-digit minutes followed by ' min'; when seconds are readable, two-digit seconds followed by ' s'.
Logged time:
8 h 46 min
